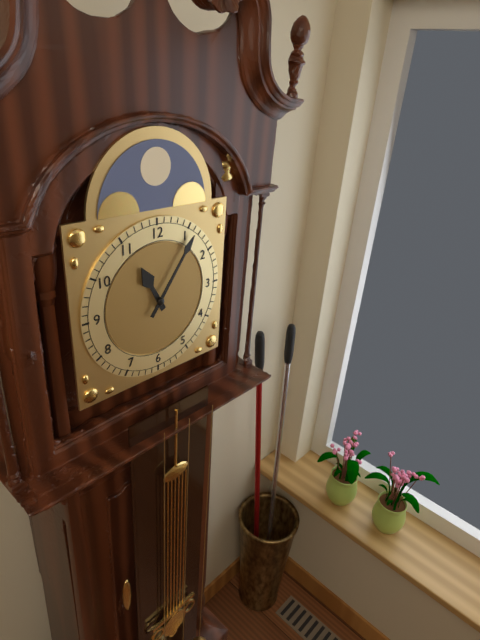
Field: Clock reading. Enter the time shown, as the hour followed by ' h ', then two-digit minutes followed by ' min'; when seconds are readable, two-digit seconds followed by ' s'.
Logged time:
11 h 06 min
